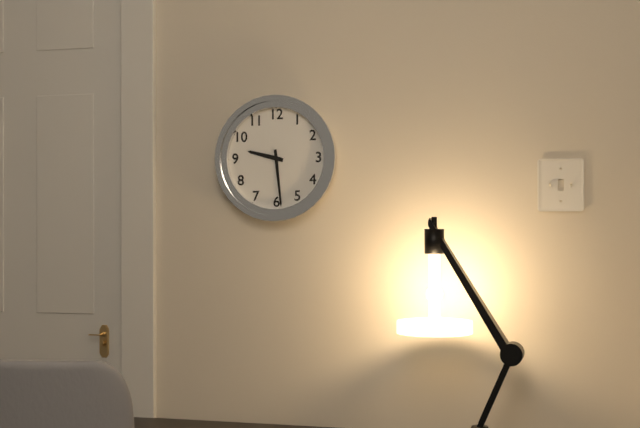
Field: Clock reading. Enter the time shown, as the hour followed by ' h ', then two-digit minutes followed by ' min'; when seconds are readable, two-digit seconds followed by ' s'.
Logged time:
9 h 29 min
